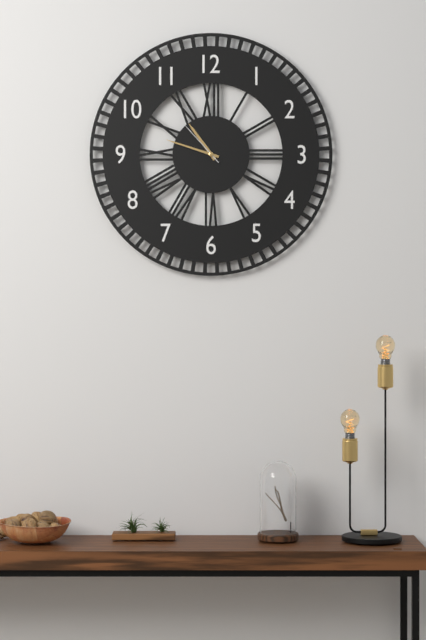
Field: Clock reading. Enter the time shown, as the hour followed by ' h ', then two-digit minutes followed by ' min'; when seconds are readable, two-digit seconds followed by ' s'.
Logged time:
10 h 48 min 53 s
